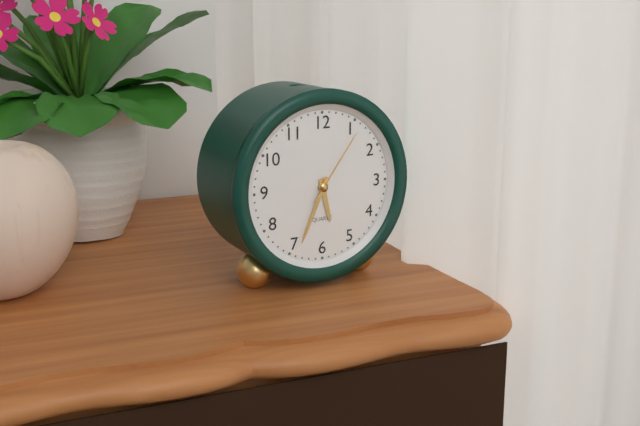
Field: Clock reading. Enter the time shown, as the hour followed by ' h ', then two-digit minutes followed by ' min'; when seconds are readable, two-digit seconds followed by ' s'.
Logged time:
5 h 34 min 06 s
